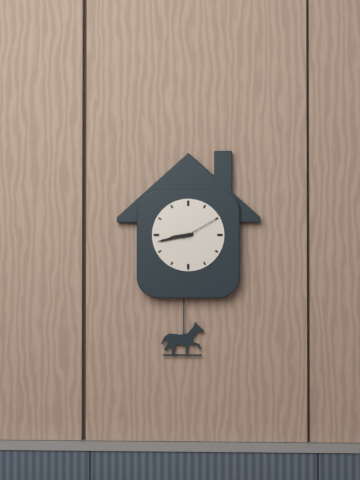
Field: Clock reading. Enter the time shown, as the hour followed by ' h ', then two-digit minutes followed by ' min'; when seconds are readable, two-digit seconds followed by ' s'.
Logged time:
8 h 43 min
